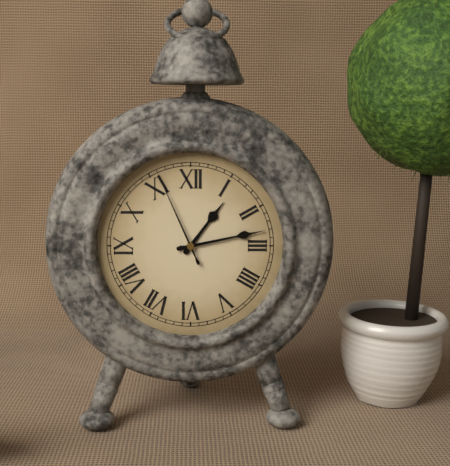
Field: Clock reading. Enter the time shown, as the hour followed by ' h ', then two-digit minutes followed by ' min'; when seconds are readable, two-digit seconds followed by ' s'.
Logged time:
1 h 13 min 56 s
